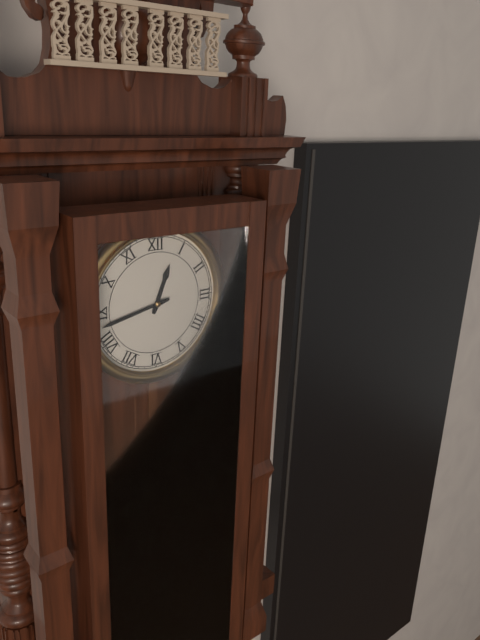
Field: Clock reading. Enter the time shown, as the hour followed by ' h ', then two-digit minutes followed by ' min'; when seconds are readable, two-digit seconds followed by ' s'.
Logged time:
12 h 43 min
